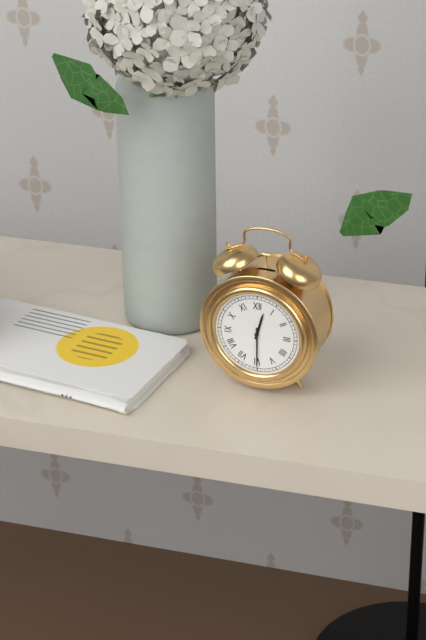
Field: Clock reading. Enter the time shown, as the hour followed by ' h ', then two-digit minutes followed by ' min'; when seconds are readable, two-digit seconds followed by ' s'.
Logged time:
12 h 30 min
